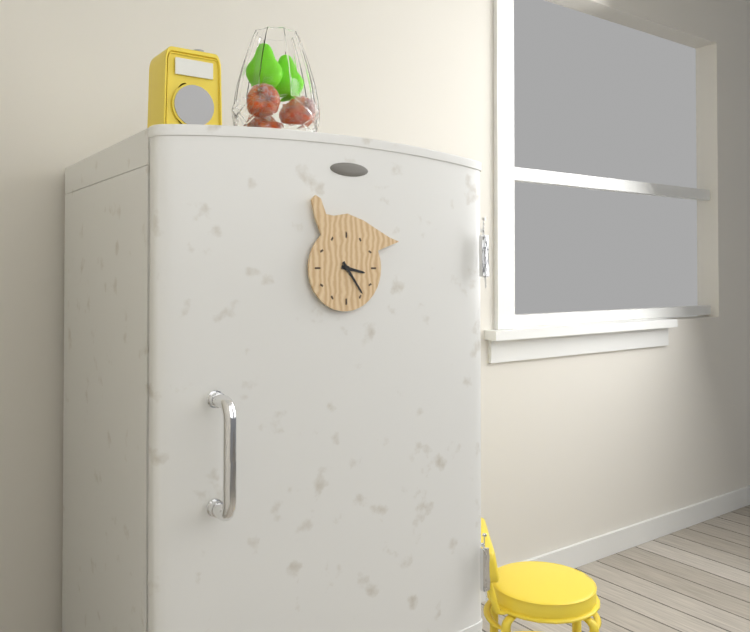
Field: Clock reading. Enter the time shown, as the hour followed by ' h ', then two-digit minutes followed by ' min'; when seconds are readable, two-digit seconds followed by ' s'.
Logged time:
3 h 24 min
